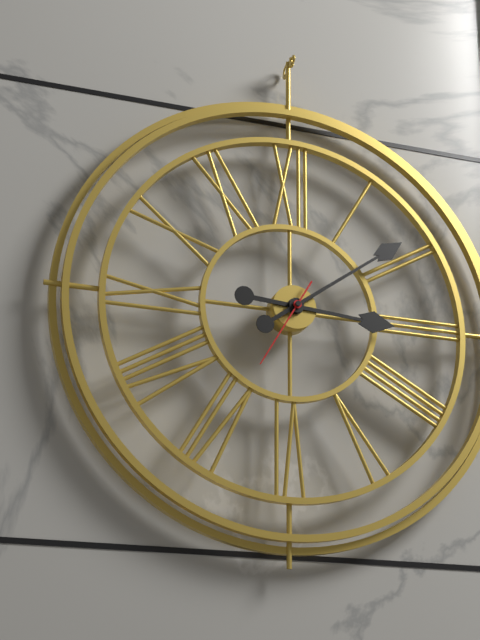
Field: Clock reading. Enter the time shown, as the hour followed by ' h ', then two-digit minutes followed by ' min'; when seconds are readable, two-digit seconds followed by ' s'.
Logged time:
3 h 09 min 35 s
